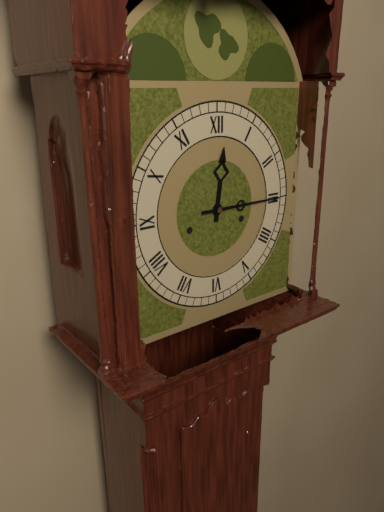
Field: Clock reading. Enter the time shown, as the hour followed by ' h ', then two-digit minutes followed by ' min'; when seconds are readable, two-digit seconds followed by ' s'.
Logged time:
12 h 15 min
